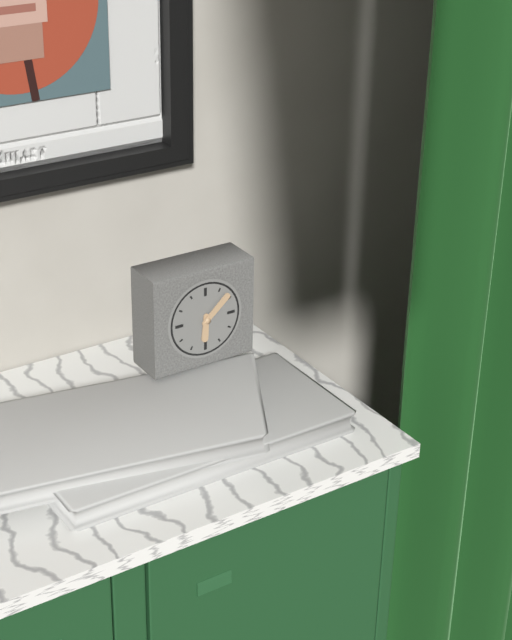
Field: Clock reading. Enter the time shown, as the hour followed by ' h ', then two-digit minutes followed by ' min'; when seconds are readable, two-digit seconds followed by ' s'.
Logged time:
6 h 08 min
